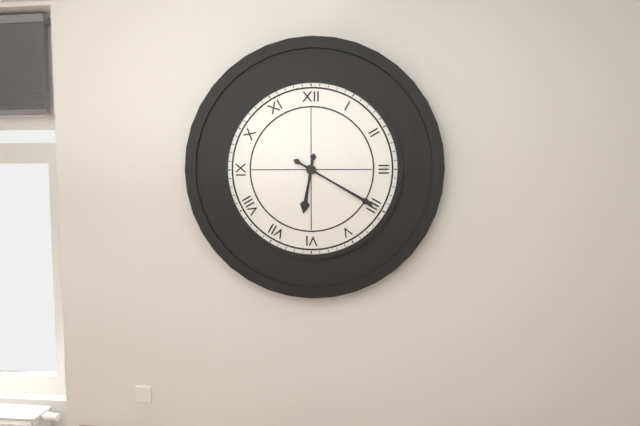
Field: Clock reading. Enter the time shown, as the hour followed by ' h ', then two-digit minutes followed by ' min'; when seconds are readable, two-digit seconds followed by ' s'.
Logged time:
6 h 20 min
